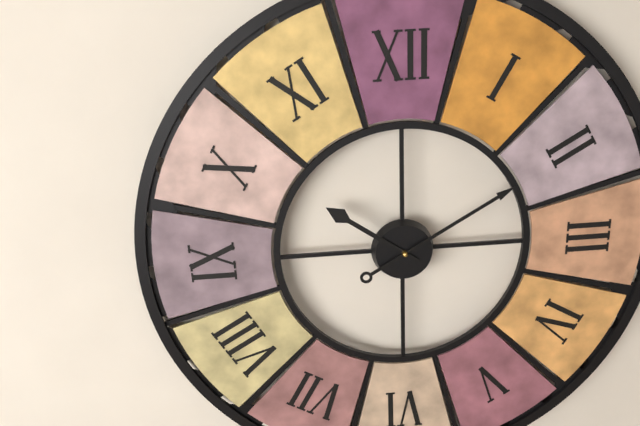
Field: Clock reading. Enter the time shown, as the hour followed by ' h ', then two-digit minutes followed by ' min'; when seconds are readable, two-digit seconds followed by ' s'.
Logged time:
10 h 10 min
